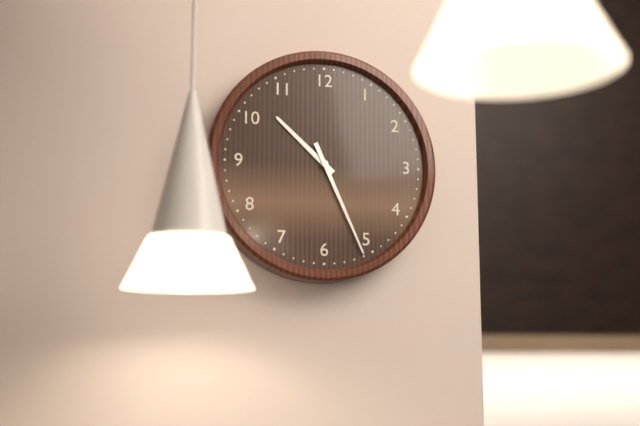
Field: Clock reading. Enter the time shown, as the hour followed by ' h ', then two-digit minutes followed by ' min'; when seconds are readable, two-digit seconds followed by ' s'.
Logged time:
10 h 26 min
